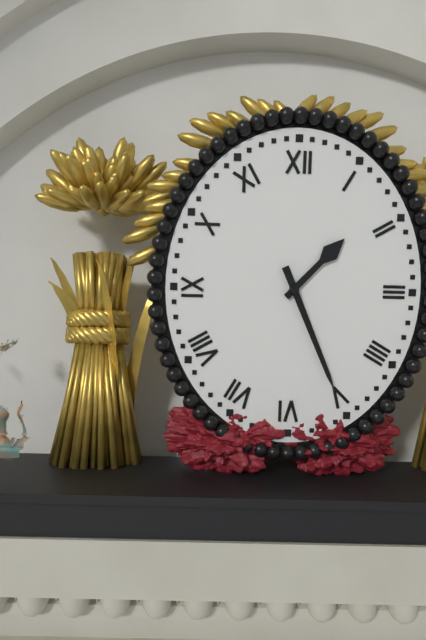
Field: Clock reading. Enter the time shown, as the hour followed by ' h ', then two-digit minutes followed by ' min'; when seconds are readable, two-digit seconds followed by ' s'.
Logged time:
1 h 26 min
